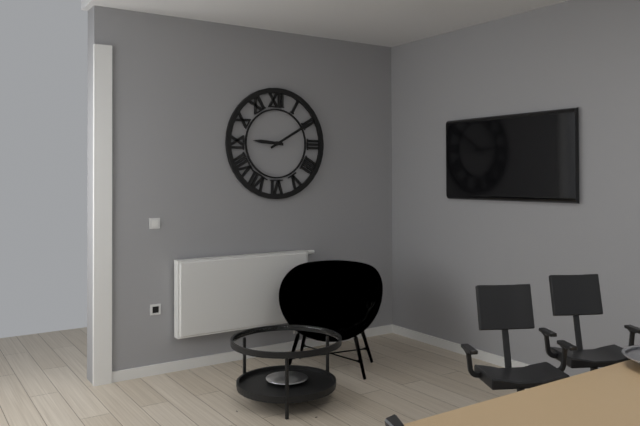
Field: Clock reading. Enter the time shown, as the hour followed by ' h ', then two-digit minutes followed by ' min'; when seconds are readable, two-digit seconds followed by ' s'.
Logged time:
9 h 10 min
